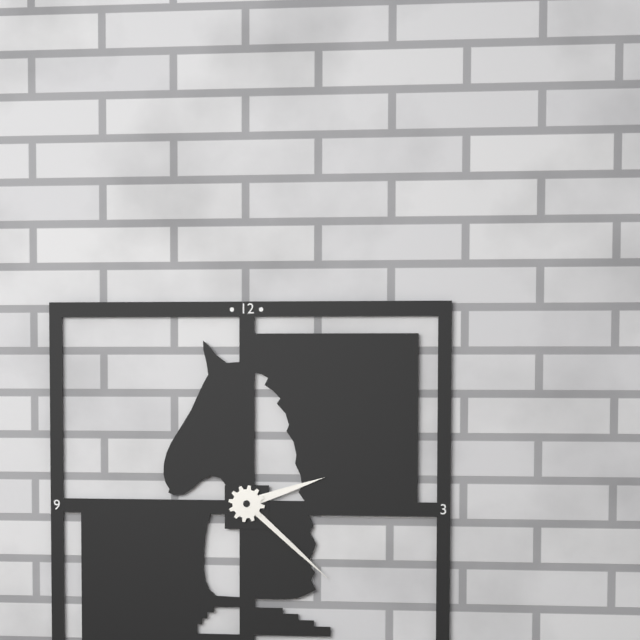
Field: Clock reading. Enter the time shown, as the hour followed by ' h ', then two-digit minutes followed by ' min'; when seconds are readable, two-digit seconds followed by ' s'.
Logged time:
2 h 22 min
